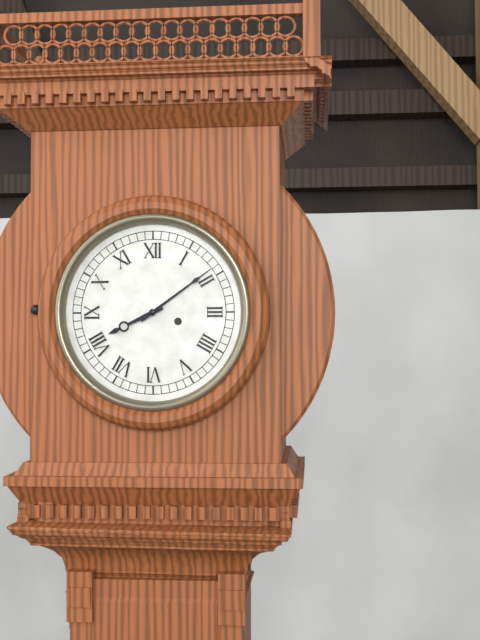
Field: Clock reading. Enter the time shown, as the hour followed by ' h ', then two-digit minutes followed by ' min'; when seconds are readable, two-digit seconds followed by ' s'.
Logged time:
8 h 09 min
